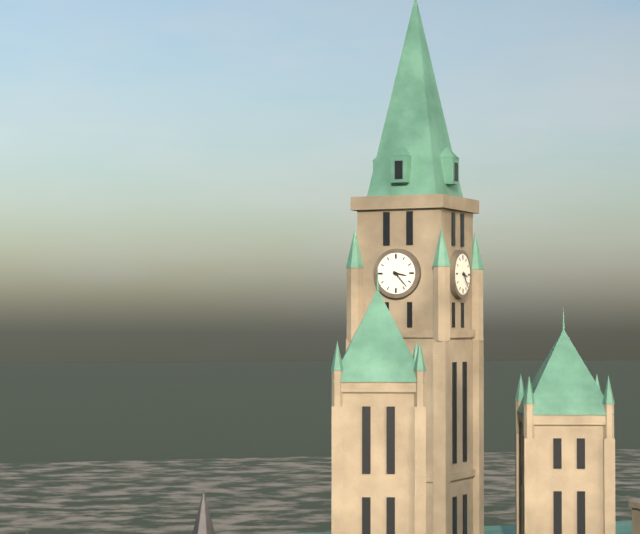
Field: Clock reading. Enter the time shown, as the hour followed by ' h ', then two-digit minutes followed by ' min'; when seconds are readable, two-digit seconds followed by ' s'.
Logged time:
3 h 23 min
